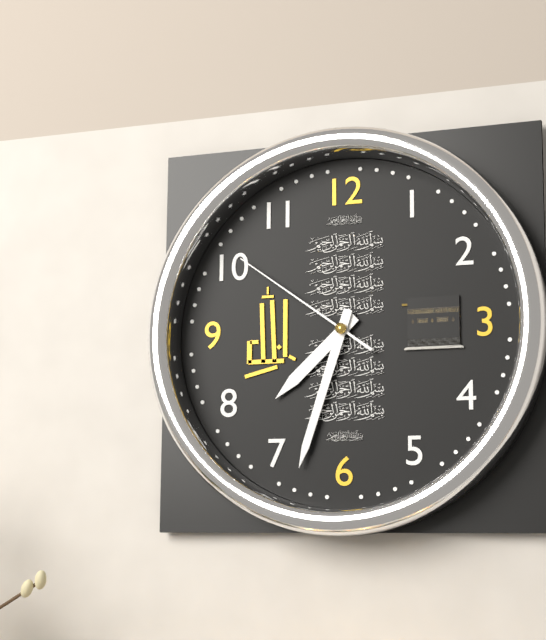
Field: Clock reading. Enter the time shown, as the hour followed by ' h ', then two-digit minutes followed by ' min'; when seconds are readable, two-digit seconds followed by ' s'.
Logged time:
7 h 33 min 51 s
